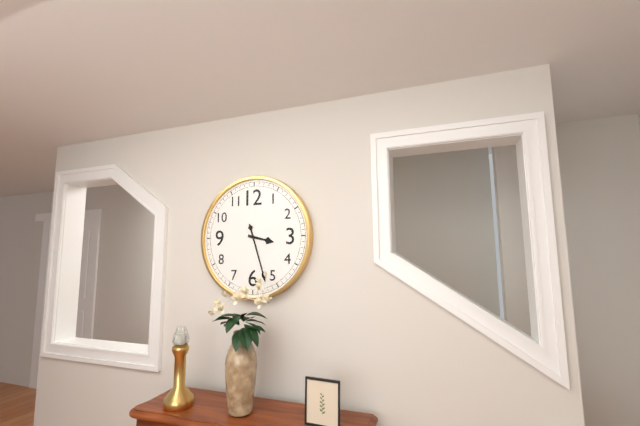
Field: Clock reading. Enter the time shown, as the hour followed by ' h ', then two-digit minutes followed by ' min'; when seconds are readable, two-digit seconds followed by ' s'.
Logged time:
3 h 27 min
